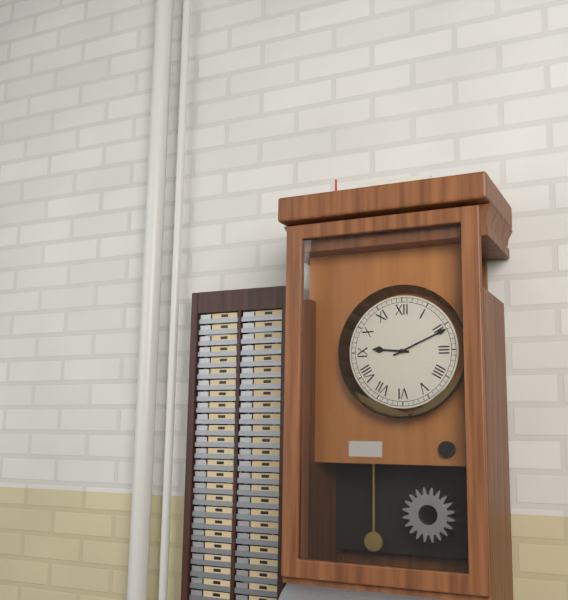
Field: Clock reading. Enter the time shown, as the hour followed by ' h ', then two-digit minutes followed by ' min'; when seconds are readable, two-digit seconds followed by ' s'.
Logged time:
9 h 11 min
